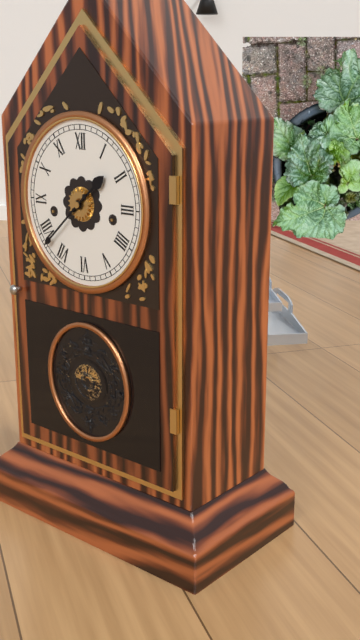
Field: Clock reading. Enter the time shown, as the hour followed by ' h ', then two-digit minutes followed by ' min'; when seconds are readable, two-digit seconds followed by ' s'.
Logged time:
1 h 38 min
